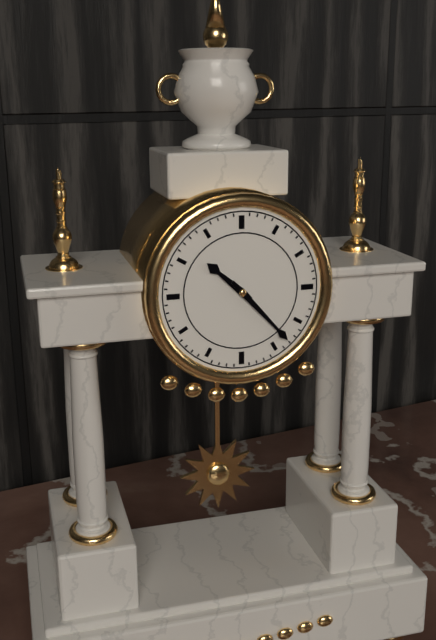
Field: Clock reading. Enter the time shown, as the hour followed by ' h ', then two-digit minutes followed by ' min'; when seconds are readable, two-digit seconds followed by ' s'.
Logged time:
10 h 23 min
